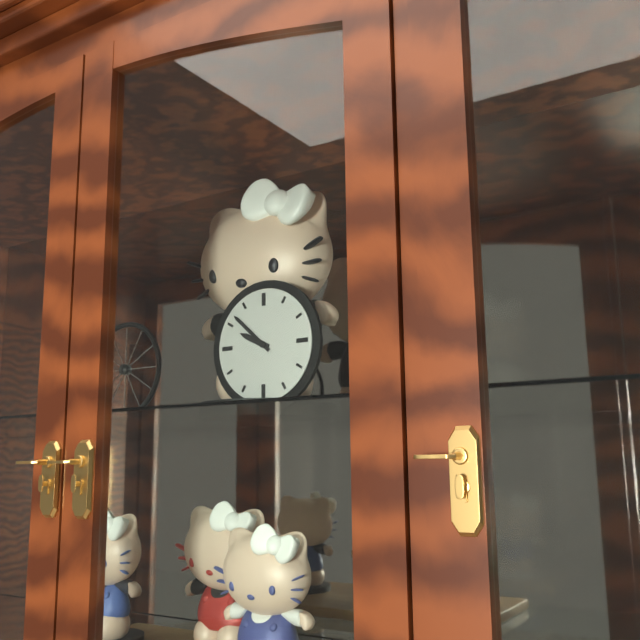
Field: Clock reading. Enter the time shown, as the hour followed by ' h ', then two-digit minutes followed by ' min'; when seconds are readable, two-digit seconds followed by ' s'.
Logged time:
9 h 52 min
